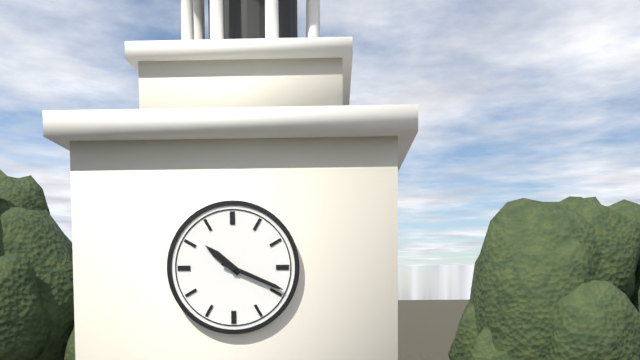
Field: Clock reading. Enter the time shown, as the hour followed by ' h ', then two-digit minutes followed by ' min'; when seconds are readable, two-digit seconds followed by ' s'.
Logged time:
10 h 19 min
